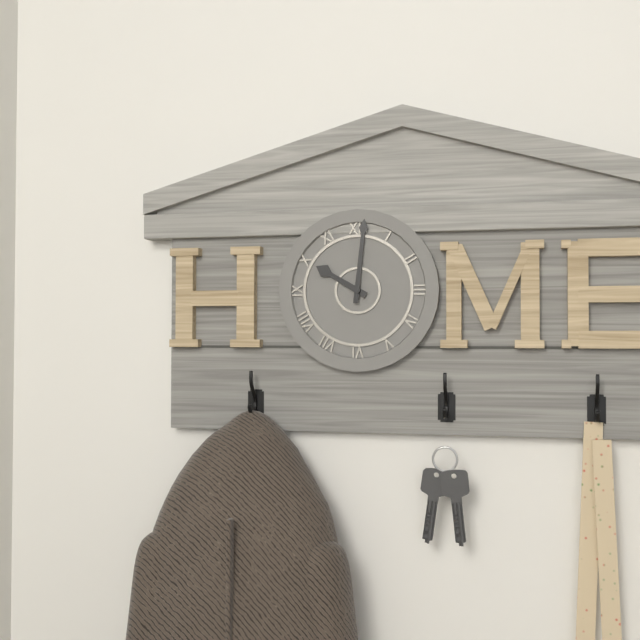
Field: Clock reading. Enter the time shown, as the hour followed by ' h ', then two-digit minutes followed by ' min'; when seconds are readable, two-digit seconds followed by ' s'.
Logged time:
10 h 01 min
